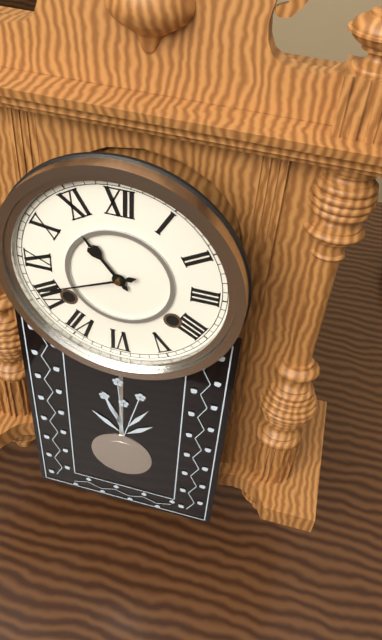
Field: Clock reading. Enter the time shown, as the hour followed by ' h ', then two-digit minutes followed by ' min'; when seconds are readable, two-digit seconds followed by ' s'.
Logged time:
10 h 41 min
